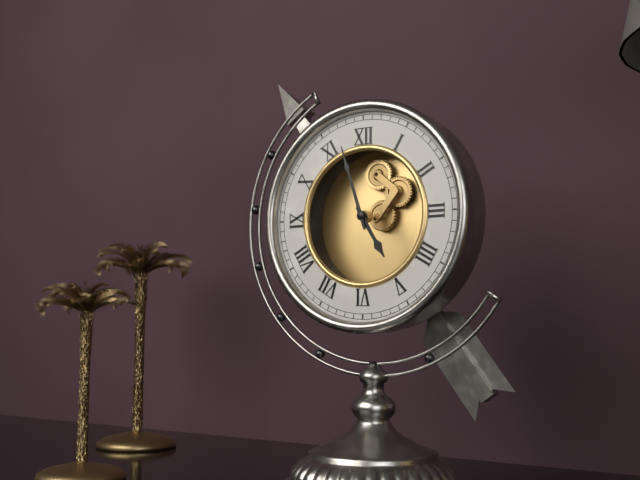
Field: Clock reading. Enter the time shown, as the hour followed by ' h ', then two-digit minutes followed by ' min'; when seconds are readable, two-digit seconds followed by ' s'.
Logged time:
4 h 57 min
